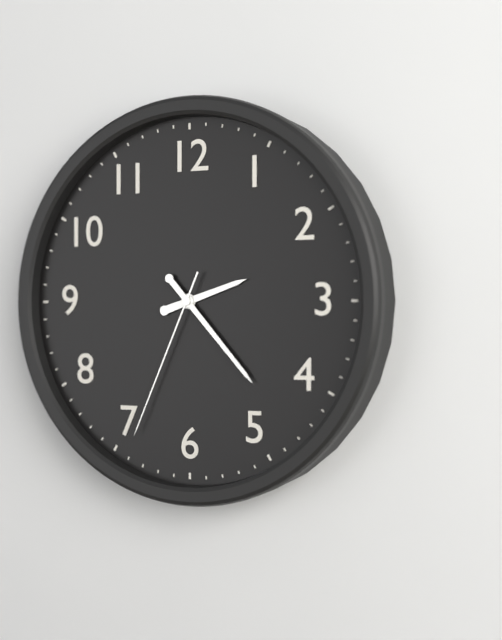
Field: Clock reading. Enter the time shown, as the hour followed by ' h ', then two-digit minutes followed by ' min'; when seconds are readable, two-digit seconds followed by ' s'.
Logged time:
2 h 23 min 34 s
